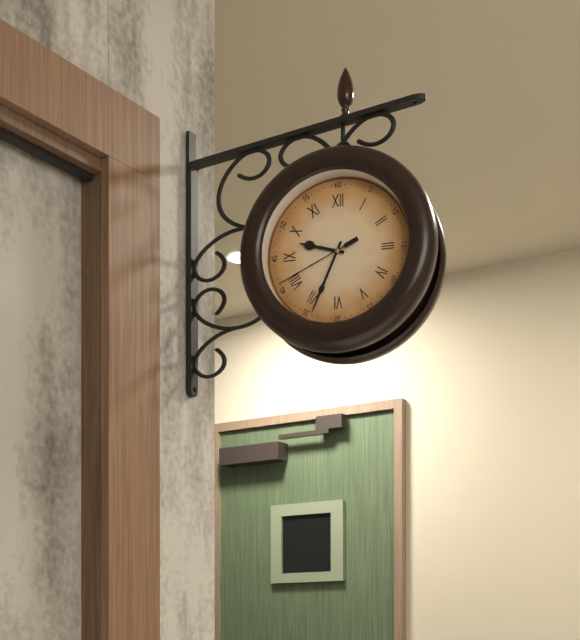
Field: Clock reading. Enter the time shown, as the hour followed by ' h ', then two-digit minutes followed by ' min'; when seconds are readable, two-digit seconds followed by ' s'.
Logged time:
9 h 34 min 41 s
